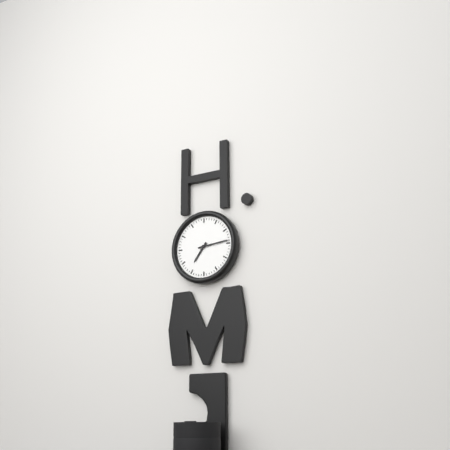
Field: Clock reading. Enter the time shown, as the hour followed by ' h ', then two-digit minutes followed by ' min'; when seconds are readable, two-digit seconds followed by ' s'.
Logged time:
7 h 14 min
